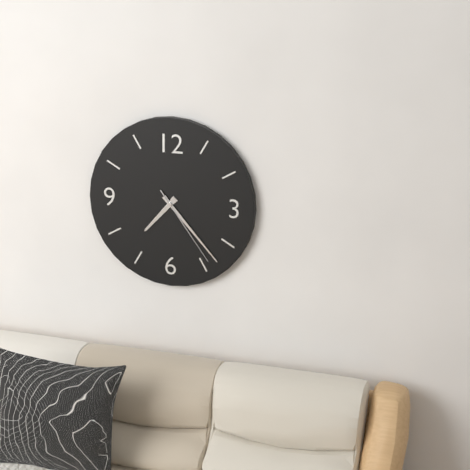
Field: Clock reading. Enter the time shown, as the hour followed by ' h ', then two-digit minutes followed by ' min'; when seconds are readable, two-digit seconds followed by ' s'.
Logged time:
7 h 23 min 24 s
